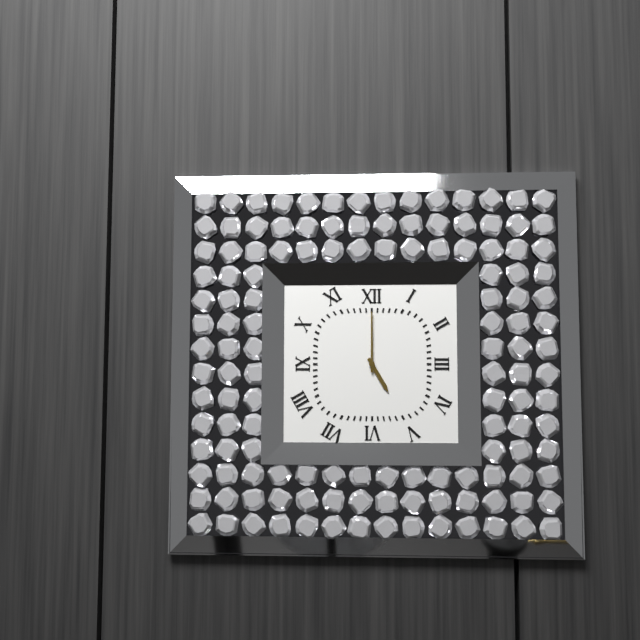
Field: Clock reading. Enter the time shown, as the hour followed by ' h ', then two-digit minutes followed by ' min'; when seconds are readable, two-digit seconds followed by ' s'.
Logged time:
5 h 00 min
